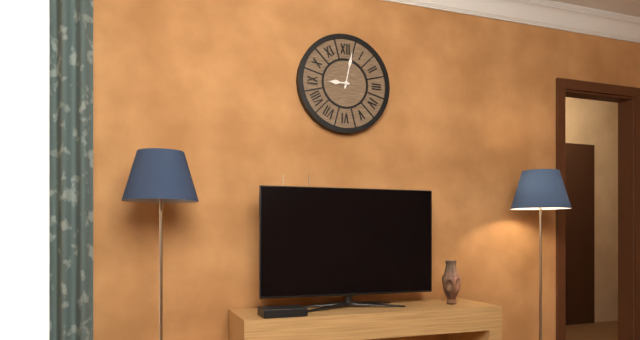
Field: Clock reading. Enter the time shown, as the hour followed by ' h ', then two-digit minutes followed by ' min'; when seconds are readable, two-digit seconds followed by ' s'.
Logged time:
9 h 02 min
